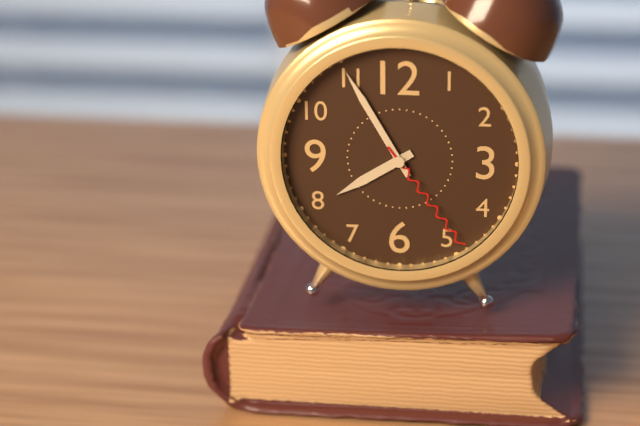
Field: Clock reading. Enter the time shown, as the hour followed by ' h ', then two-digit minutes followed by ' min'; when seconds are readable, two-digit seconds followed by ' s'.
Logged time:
7 h 55 min 24 s
